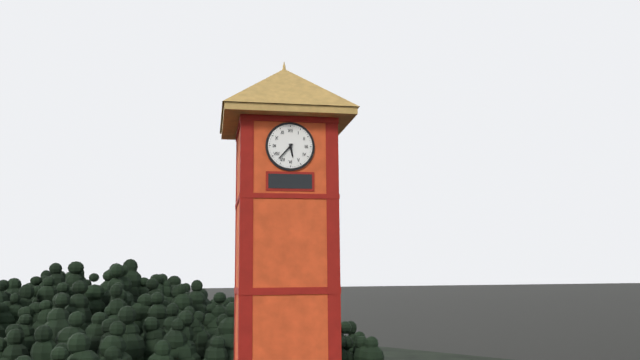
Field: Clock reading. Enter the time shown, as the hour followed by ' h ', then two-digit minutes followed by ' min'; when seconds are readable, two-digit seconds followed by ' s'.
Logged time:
5 h 37 min
